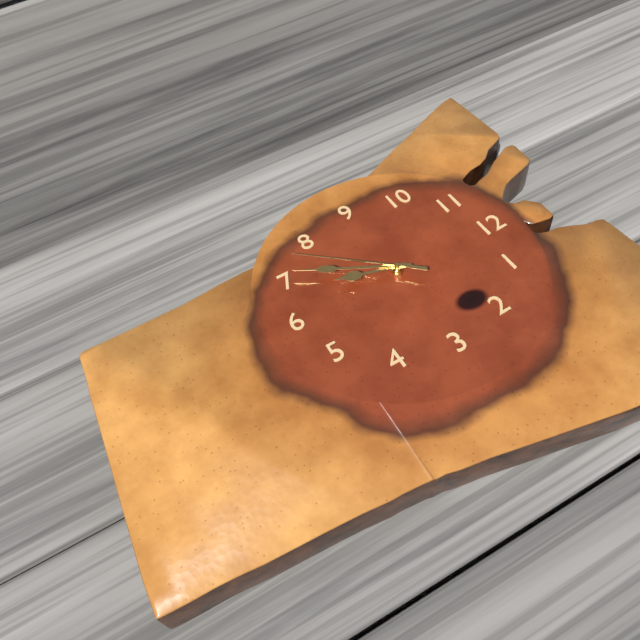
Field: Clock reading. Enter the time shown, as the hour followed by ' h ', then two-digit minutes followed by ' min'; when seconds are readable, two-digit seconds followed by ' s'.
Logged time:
6 h 35 min 37 s
